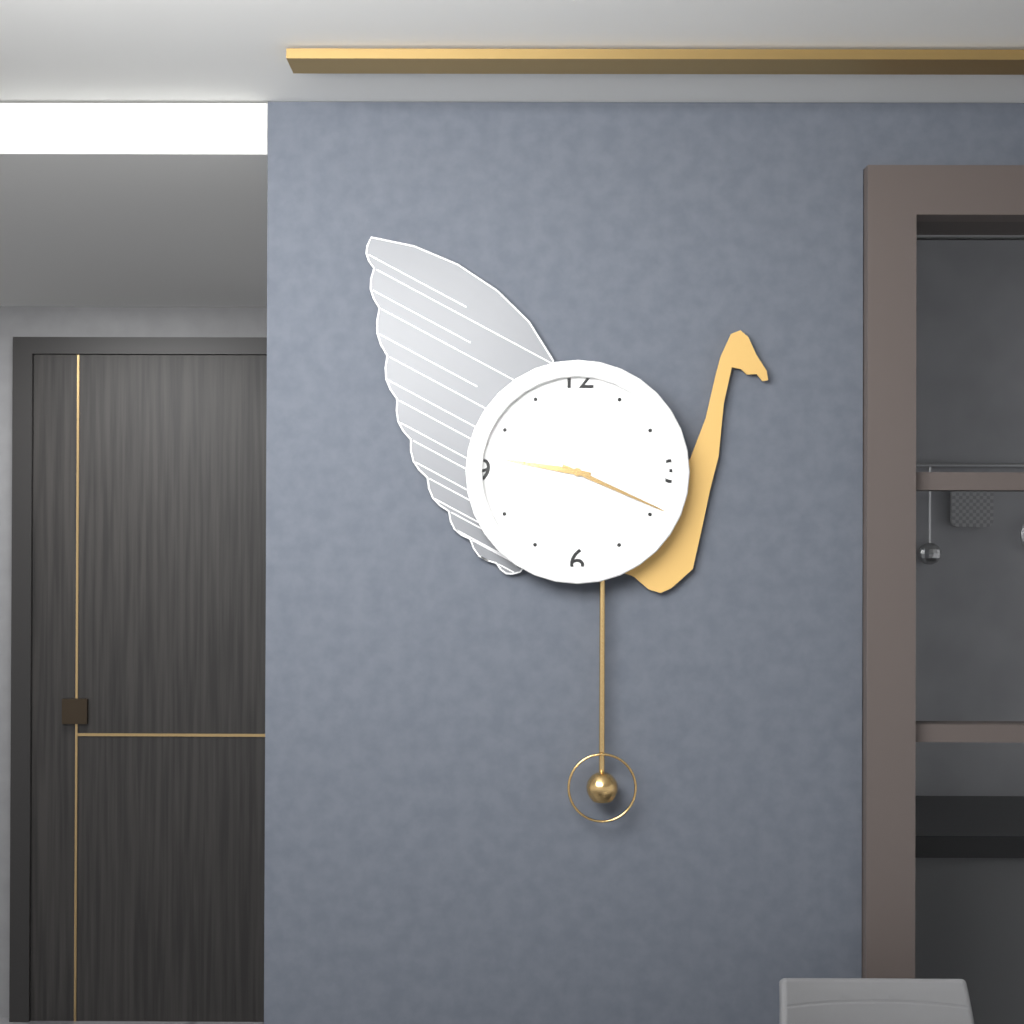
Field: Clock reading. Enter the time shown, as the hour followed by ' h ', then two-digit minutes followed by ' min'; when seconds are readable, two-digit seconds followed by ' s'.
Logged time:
9 h 19 min
